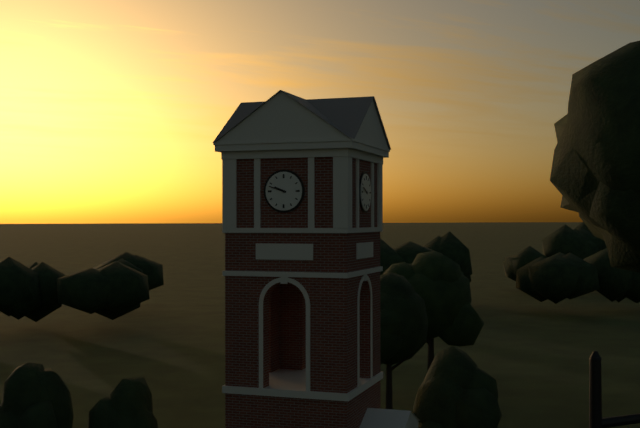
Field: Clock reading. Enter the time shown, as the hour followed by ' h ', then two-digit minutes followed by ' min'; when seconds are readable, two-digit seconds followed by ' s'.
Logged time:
9 h 48 min
